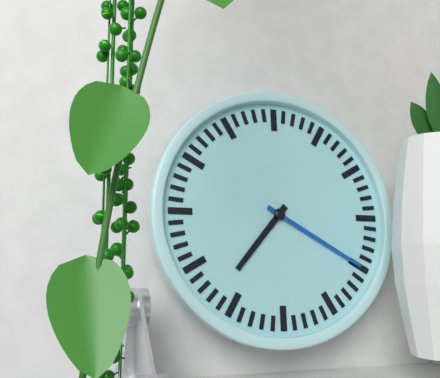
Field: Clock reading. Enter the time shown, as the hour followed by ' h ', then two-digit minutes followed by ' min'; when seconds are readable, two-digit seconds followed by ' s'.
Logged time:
7 h 20 min
